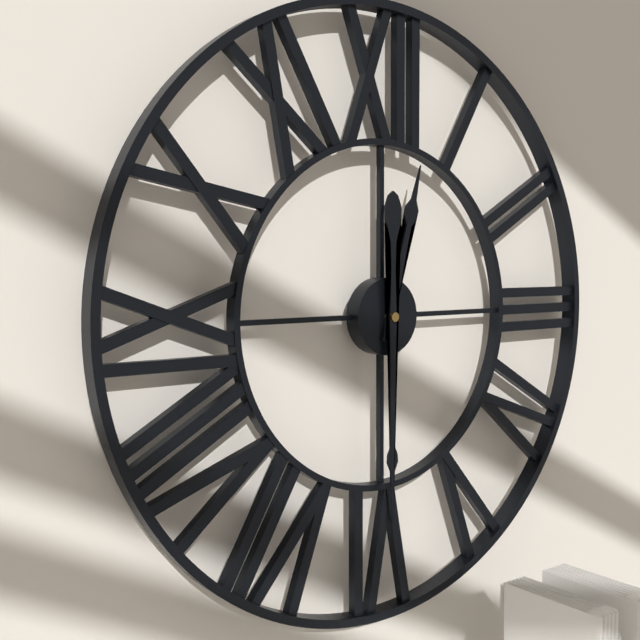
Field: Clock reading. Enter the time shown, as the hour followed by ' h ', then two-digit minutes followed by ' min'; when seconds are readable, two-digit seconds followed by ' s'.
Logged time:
12 h 30 min
